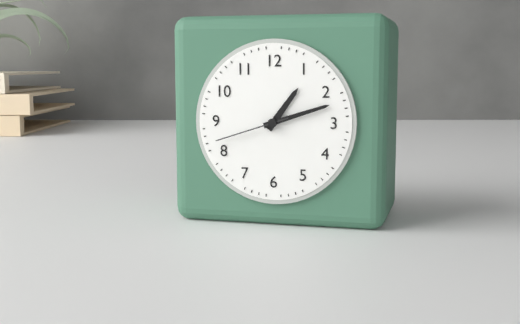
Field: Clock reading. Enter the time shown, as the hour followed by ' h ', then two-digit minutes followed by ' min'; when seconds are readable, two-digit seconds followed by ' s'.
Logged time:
1 h 12 min 42 s
